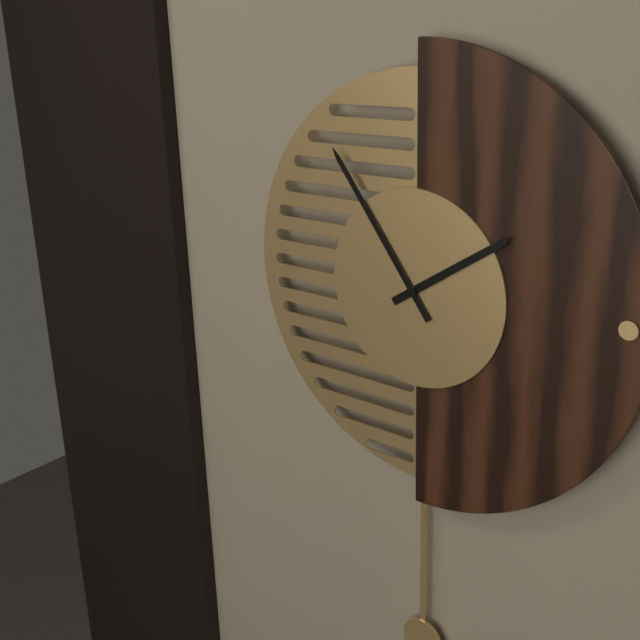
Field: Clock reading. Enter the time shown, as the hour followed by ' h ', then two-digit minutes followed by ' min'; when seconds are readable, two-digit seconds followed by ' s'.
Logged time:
1 h 54 min
